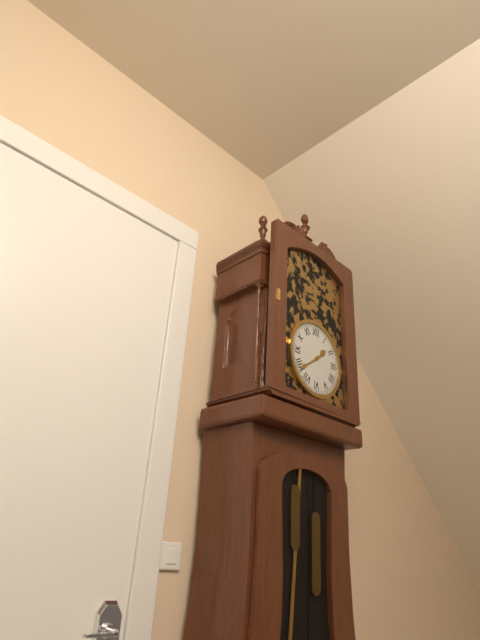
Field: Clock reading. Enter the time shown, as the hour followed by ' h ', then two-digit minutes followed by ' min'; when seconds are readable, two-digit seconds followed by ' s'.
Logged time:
1 h 39 min
